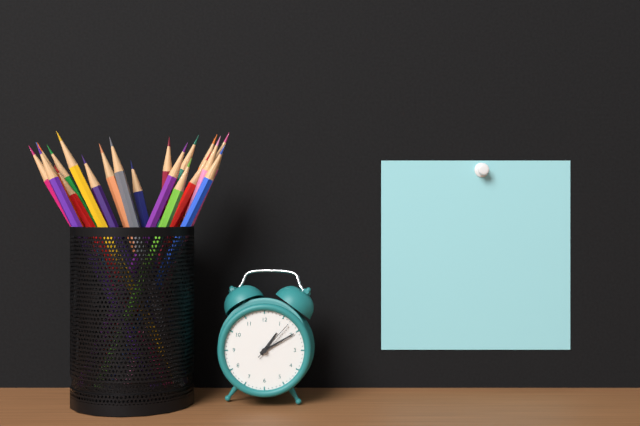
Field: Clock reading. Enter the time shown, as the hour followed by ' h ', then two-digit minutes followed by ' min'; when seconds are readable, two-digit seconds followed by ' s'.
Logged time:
1 h 10 min
